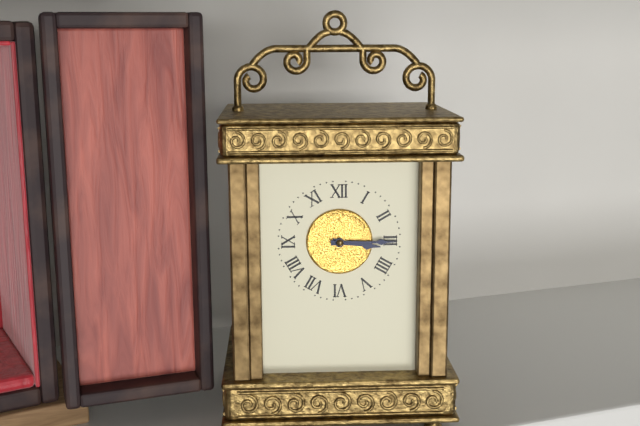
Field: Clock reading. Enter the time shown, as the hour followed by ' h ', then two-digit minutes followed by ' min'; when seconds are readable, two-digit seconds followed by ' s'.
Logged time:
3 h 15 min
